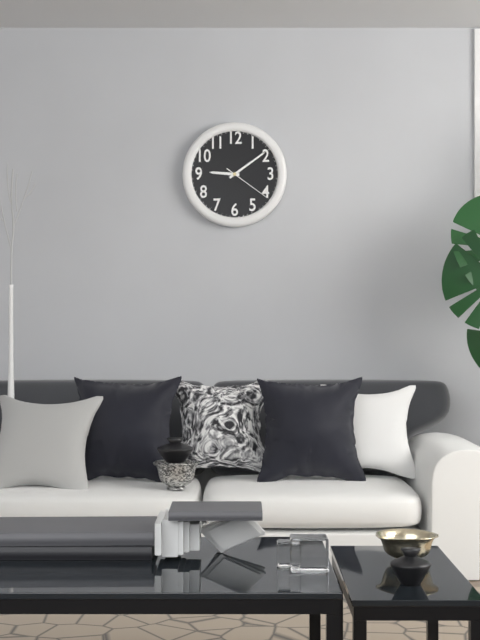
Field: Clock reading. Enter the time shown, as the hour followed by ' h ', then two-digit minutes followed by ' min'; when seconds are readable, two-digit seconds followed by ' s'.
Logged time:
9 h 09 min
